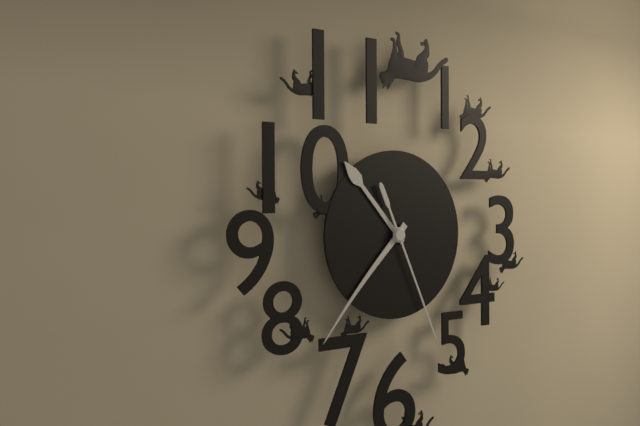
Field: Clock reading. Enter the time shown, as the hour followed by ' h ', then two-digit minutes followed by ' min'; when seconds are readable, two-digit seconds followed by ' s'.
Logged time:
10 h 37 min 26 s
